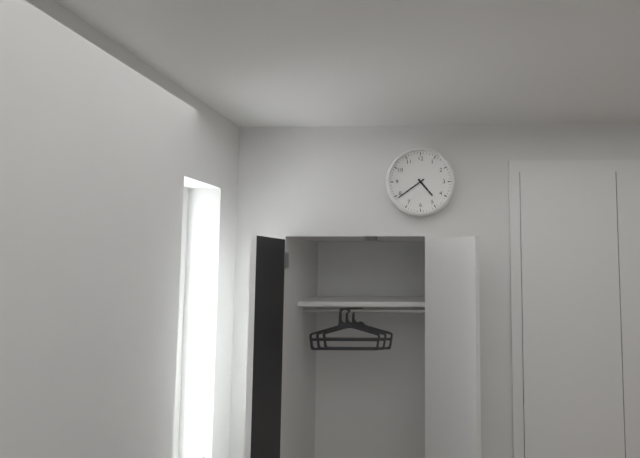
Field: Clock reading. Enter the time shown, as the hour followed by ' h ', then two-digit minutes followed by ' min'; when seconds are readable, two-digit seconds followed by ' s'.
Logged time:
4 h 39 min
